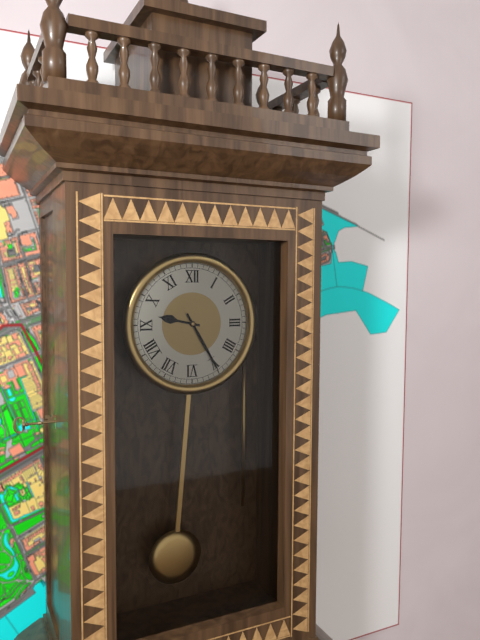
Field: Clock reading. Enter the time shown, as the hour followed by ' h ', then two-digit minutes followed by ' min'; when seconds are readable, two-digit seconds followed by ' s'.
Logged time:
9 h 25 min
